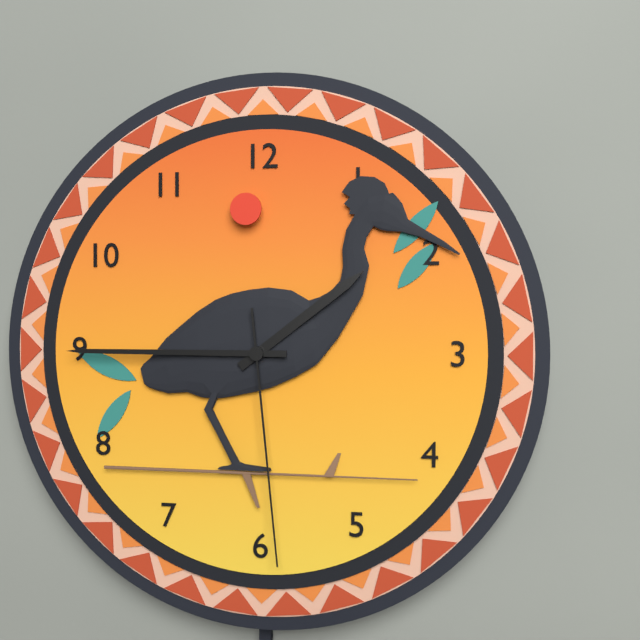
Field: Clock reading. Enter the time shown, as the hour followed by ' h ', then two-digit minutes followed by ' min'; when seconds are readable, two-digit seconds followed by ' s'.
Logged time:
1 h 45 min 29 s
